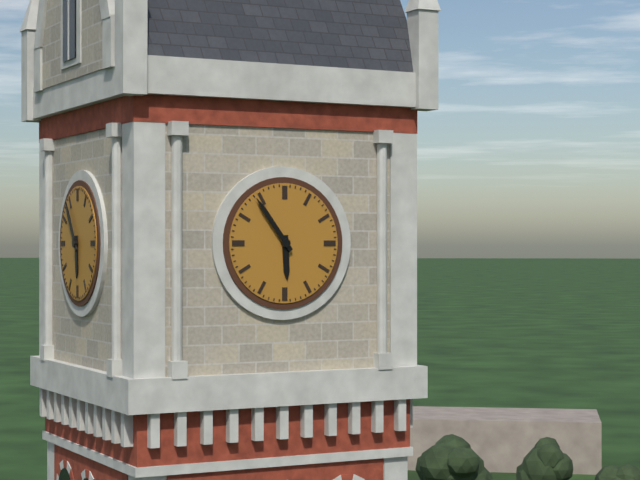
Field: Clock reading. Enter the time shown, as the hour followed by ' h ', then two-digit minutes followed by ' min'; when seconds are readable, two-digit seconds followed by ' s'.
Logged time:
5 h 54 min
